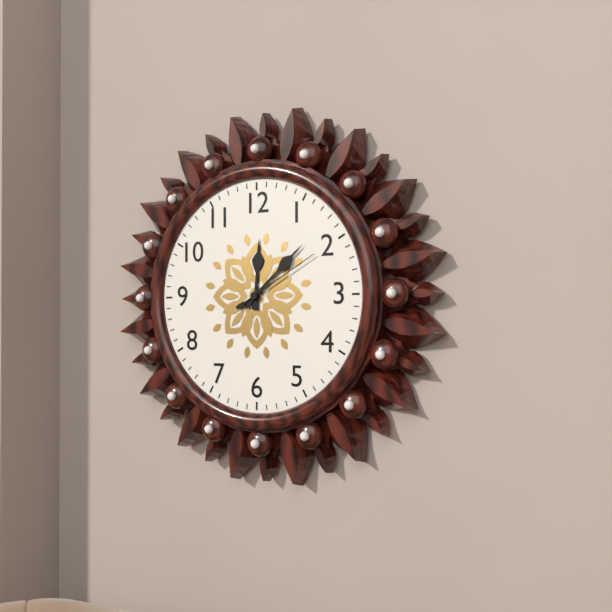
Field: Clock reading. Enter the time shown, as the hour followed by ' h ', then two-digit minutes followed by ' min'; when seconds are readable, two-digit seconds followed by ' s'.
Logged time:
12 h 08 min 10 s
